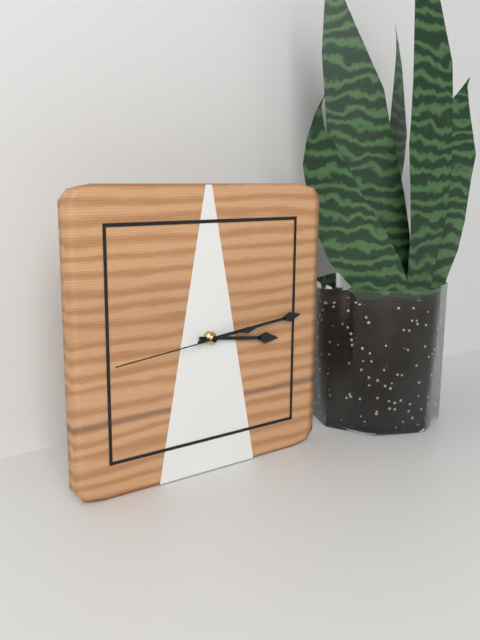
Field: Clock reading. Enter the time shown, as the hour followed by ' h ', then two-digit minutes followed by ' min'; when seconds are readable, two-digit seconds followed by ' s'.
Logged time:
3 h 14 min 44 s
